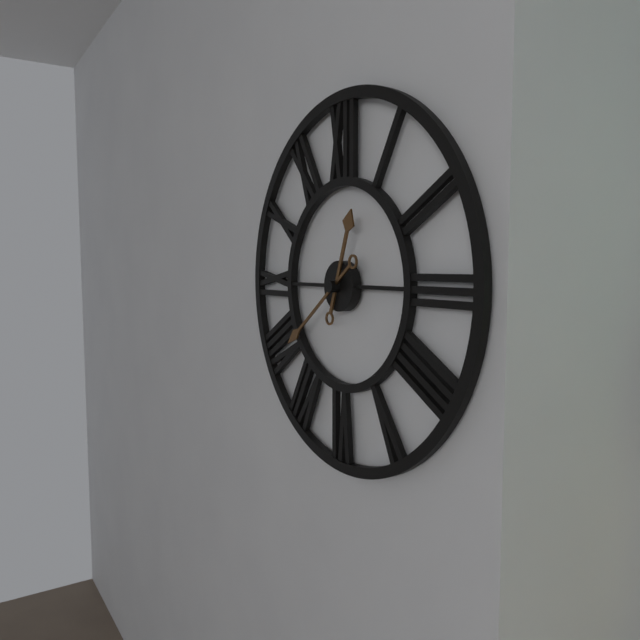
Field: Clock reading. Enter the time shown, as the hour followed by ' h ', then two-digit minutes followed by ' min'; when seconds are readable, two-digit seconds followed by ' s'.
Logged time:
12 h 39 min
